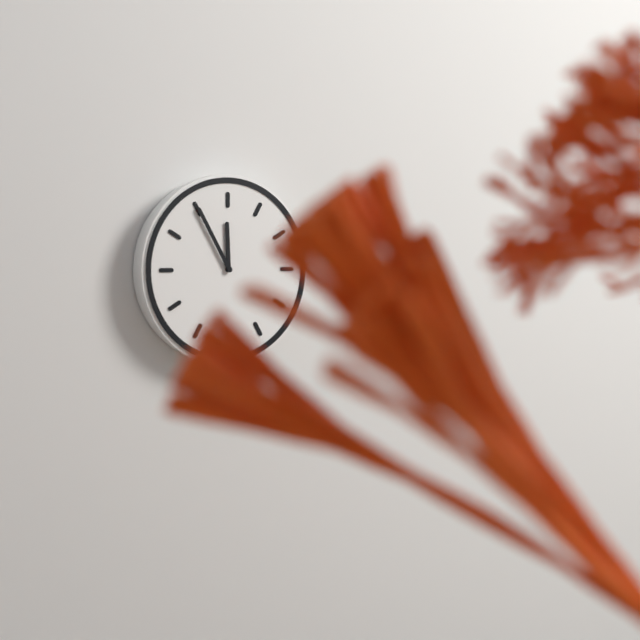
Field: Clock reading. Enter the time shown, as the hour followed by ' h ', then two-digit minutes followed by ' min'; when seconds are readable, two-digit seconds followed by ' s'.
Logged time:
11 h 55 min
